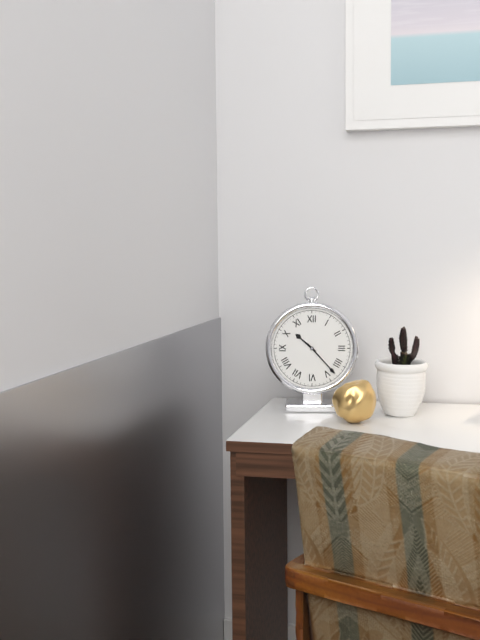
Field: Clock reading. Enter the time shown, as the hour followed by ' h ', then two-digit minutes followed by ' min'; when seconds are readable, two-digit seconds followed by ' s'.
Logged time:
10 h 23 min
